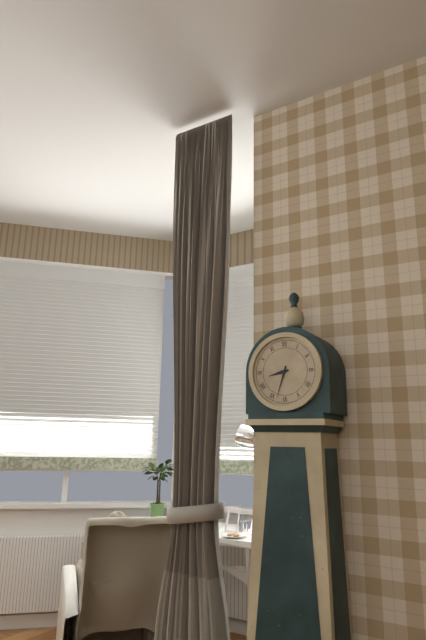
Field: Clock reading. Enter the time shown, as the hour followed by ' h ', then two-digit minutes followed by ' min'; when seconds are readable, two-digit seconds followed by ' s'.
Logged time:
8 h 33 min
